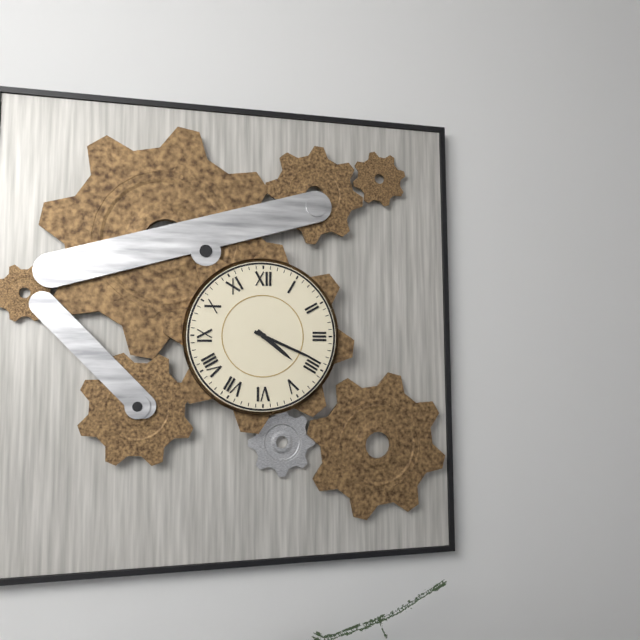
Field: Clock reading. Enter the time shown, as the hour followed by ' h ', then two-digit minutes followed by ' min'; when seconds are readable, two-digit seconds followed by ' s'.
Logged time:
4 h 19 min
